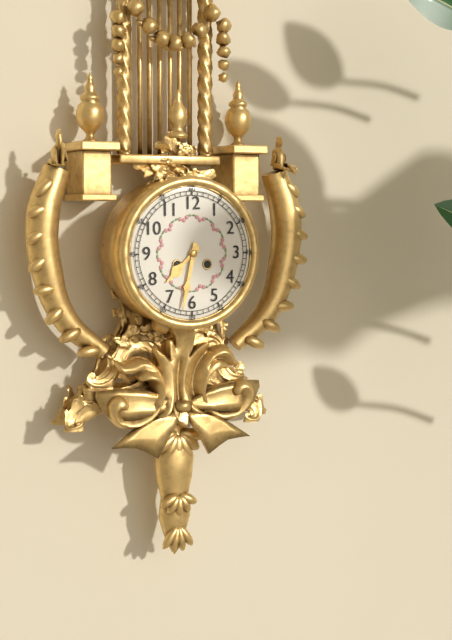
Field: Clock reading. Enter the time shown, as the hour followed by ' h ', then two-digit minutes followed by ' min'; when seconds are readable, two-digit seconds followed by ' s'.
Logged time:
7 h 32 min
